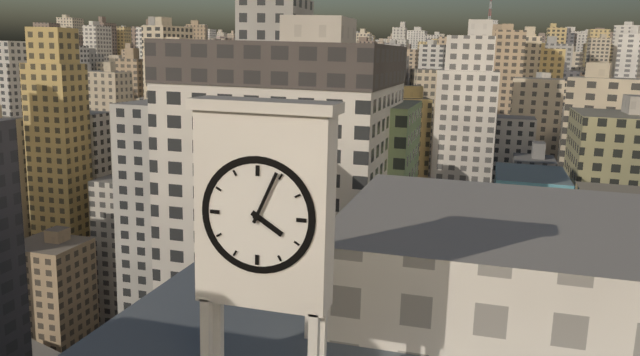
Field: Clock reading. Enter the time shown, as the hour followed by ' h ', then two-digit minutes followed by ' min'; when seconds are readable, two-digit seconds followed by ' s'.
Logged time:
4 h 04 min
